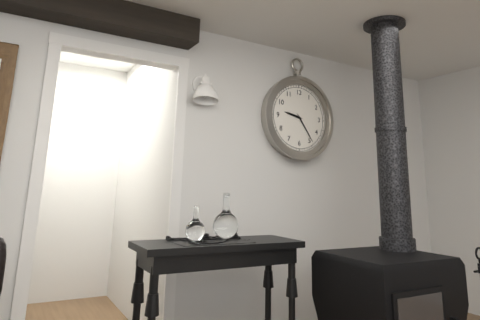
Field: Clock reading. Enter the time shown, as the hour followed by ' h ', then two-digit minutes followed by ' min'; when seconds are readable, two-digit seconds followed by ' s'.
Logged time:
9 h 24 min
